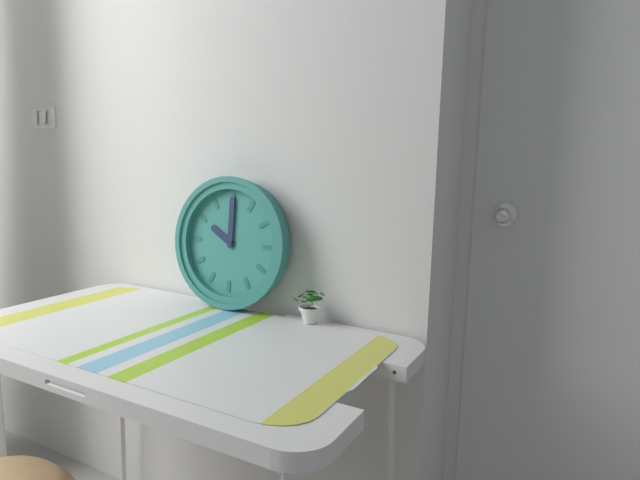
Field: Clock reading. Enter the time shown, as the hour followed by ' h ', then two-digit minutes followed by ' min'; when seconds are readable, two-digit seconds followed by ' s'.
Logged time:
10 h 00 min
